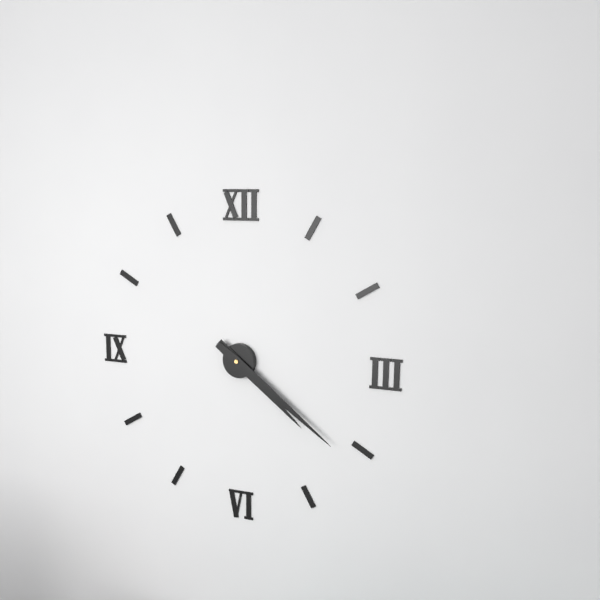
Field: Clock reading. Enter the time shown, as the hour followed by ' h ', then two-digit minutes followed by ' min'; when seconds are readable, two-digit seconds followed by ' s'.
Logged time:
4 h 21 min
